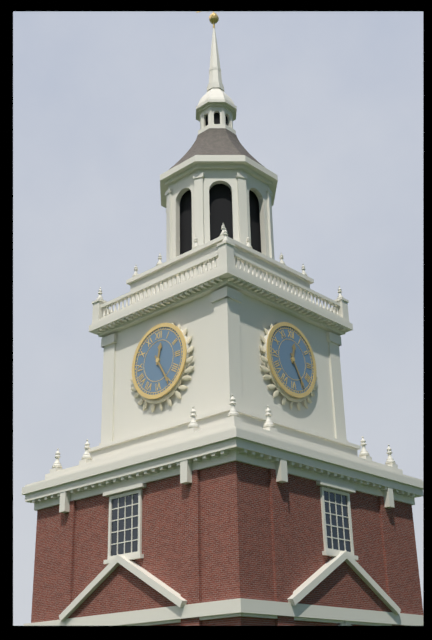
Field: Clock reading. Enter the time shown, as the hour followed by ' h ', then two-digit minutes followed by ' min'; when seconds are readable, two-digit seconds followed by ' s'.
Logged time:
12 h 25 min
